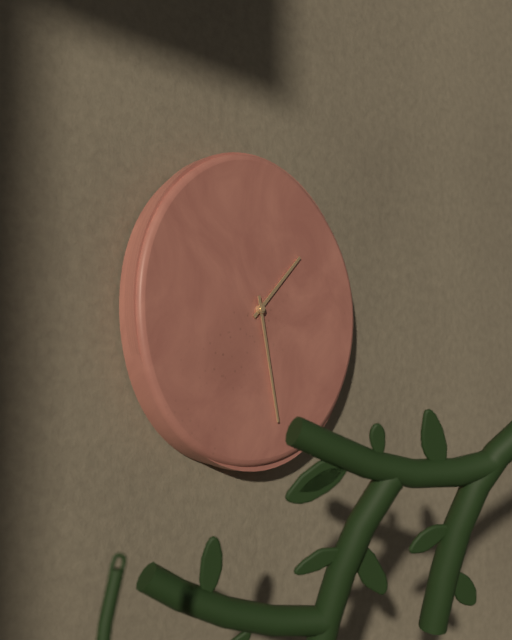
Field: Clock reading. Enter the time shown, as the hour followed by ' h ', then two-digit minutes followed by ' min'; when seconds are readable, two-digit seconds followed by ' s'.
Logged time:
1 h 28 min
